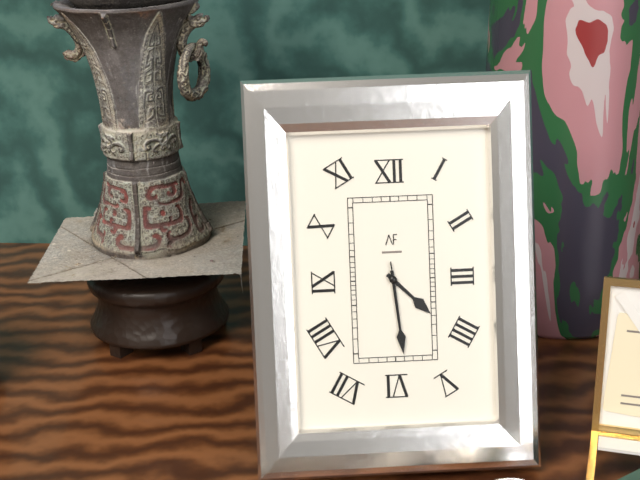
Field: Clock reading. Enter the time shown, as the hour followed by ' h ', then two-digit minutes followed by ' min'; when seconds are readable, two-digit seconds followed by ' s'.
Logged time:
4 h 29 min 29 s
